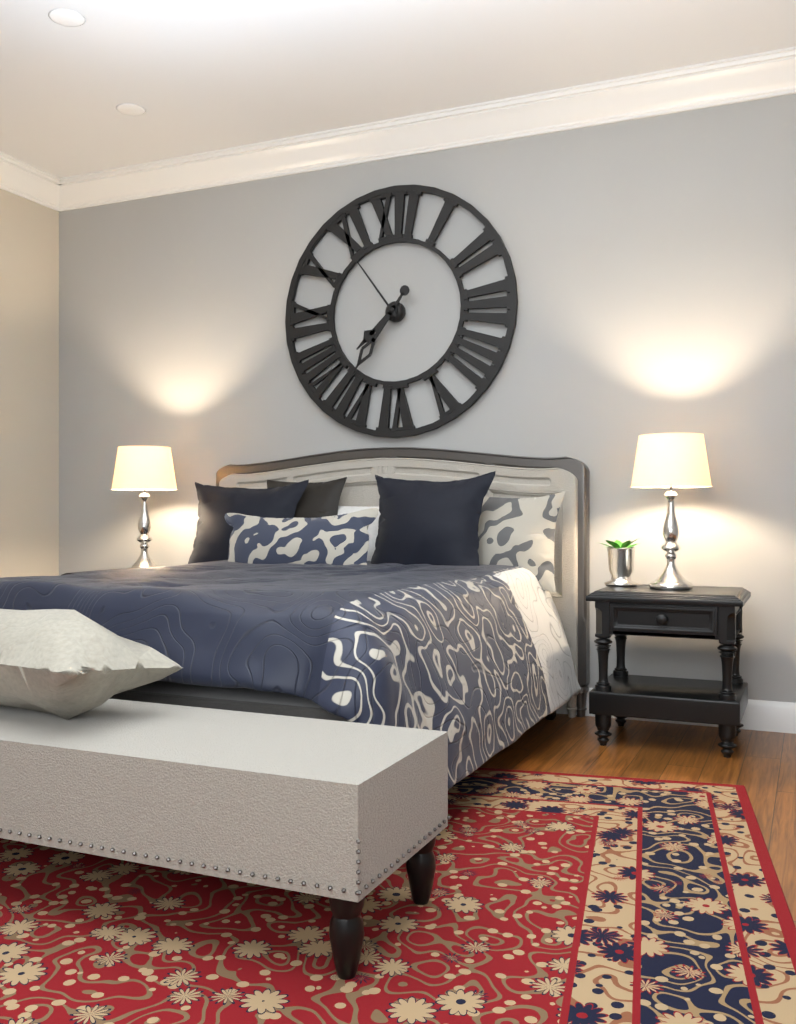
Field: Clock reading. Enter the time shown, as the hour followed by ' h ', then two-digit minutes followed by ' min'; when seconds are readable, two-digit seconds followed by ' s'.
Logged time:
7 h 36 min 54 s
